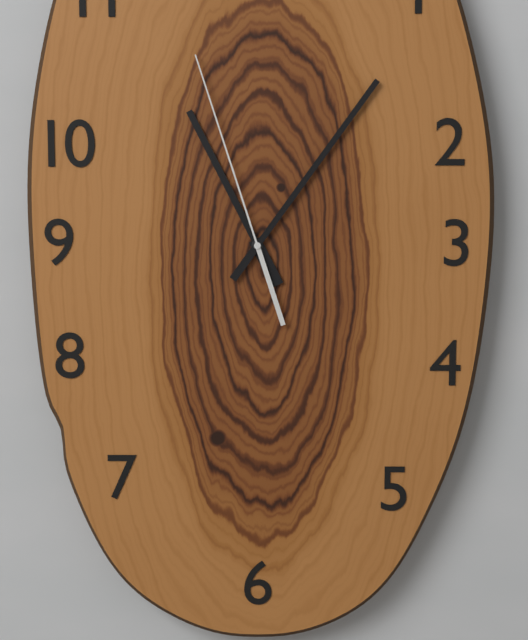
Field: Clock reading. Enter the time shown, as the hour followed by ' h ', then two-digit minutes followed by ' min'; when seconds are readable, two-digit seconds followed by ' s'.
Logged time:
11 h 06 min 57 s
